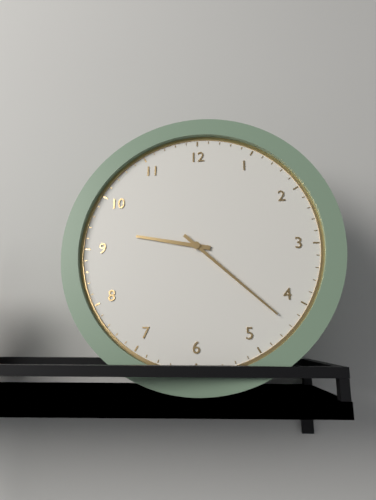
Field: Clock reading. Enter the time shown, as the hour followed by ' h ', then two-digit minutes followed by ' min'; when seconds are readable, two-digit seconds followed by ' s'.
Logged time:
9 h 22 min
